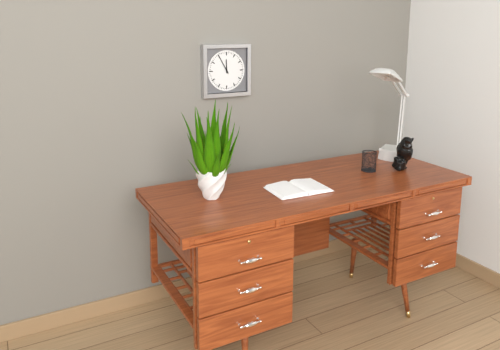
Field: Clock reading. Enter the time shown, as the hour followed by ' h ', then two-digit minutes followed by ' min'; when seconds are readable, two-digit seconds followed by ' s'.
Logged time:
11 h 55 min
